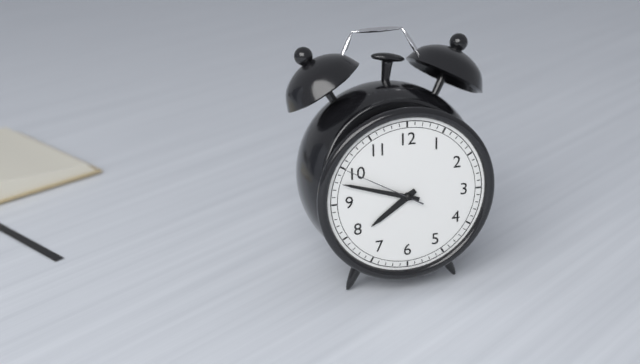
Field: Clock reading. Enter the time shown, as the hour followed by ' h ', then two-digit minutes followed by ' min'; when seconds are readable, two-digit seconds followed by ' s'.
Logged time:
7 h 48 min 50 s
